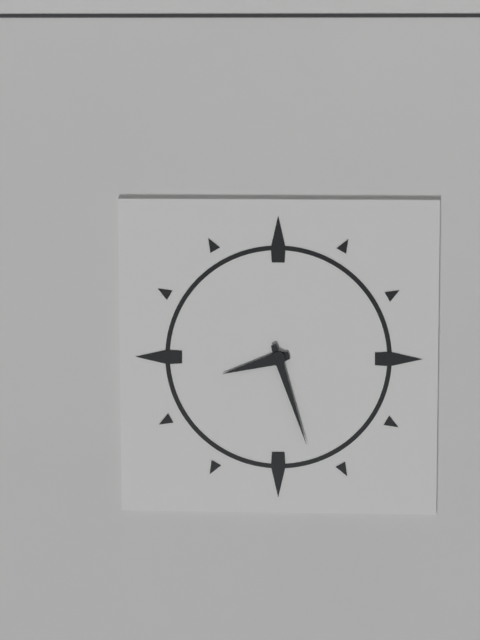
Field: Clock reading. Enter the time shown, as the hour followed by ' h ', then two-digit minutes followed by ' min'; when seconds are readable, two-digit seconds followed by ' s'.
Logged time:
8 h 27 min
